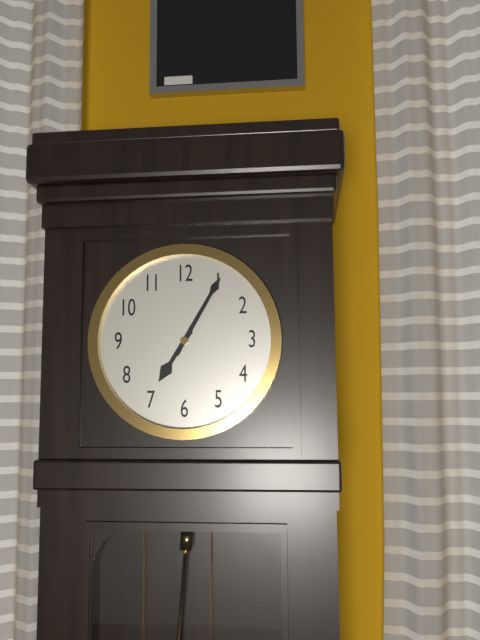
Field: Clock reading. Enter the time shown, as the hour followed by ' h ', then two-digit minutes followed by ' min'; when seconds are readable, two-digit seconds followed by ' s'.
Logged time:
7 h 05 min
